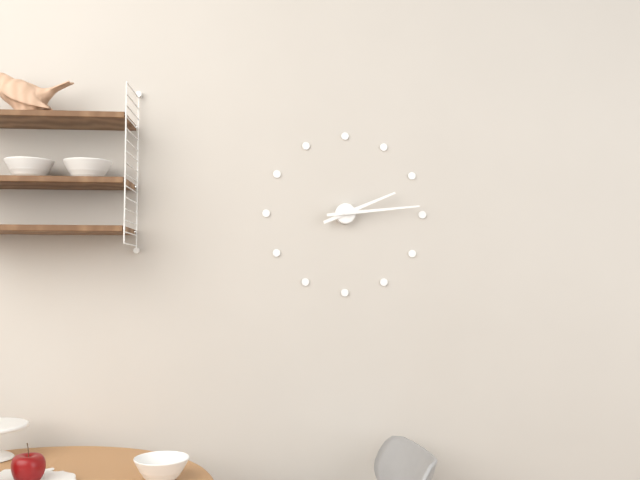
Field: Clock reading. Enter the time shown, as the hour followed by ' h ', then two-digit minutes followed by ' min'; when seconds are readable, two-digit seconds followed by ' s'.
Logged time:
2 h 14 min
